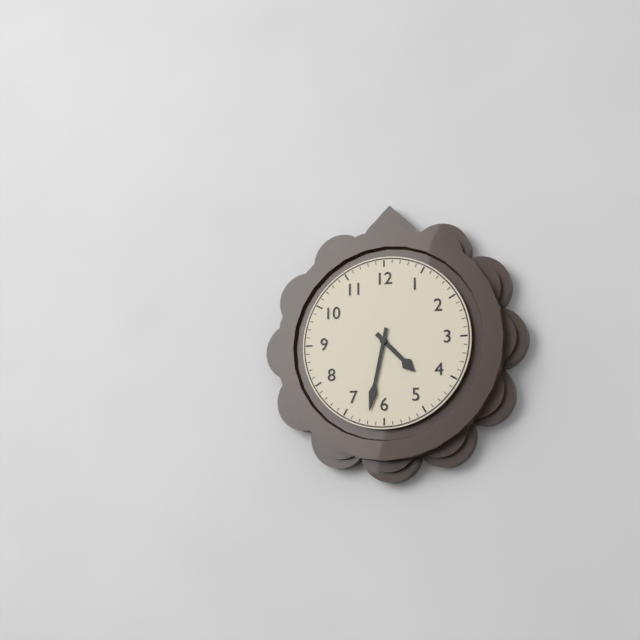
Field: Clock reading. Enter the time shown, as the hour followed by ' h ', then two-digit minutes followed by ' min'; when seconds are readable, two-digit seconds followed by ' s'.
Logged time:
4 h 32 min
